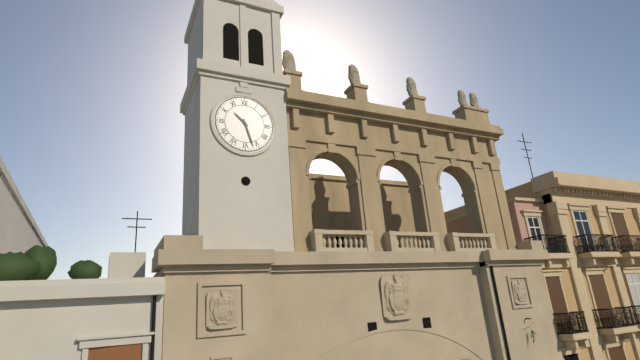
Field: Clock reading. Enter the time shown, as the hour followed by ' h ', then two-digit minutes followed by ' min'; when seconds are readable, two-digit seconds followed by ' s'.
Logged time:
10 h 27 min
